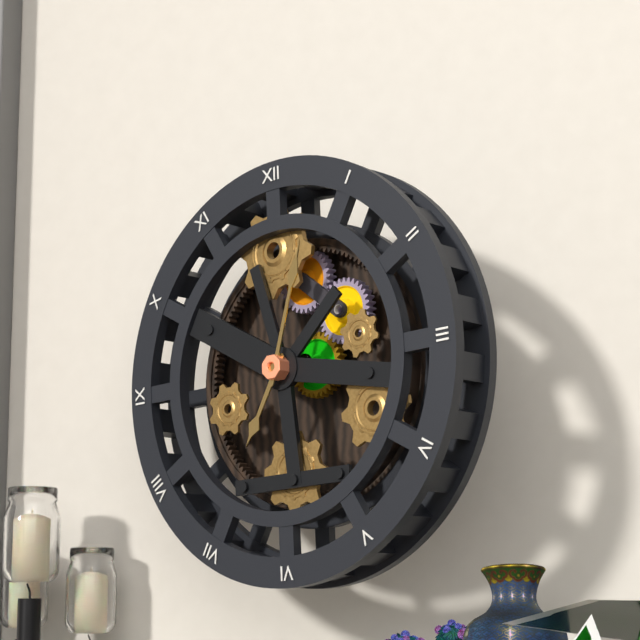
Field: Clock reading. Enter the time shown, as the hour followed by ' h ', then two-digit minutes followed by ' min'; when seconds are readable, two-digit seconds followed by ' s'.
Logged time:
7 h 03 min
